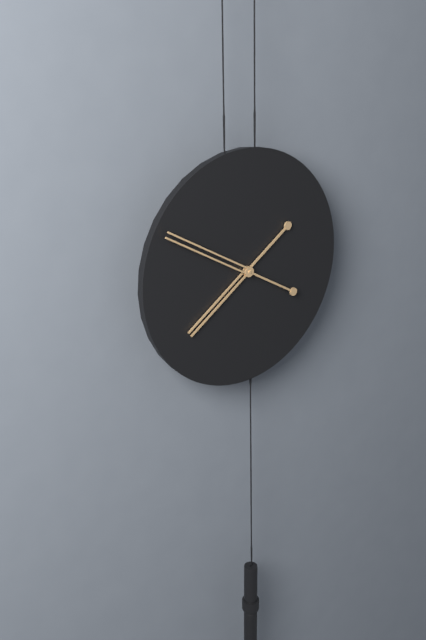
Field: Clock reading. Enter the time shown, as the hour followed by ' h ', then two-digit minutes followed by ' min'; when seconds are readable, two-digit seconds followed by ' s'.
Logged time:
7 h 50 min
